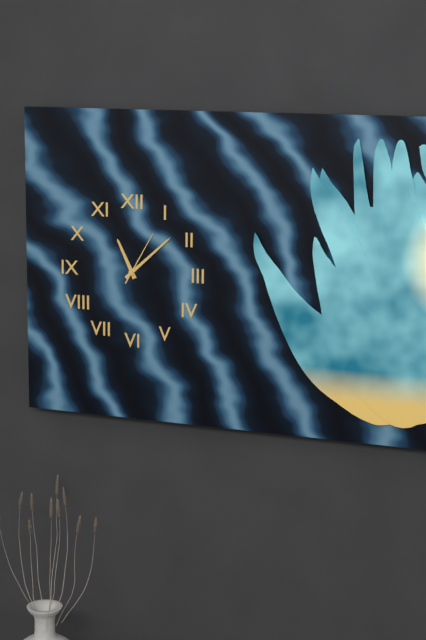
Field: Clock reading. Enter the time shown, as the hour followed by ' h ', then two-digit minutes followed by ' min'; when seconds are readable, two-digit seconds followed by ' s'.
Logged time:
11 h 08 min 05 s
